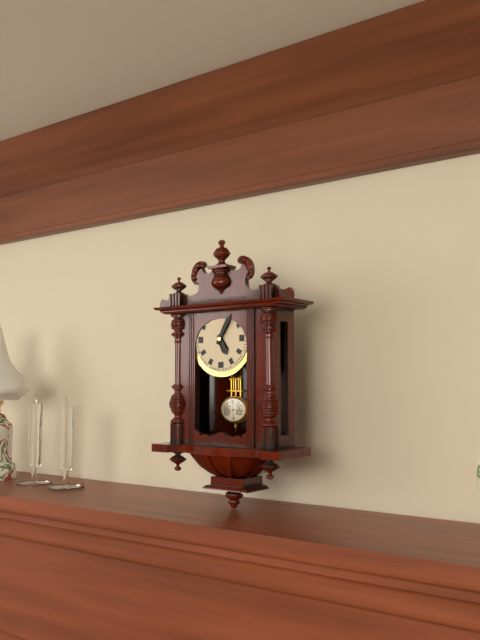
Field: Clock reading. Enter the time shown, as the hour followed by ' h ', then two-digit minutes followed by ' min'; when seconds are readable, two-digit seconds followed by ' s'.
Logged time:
5 h 05 min
